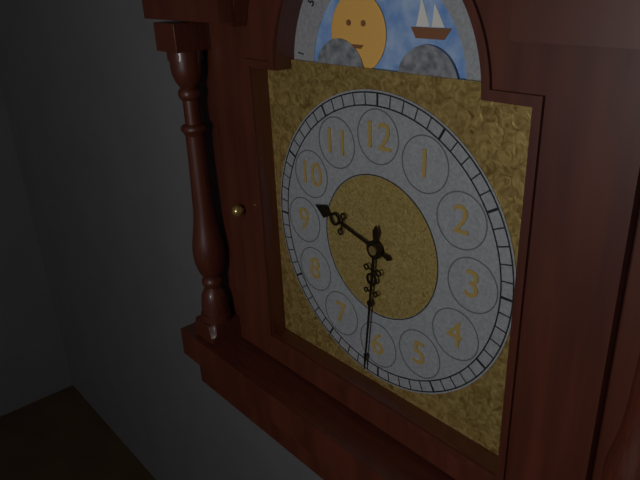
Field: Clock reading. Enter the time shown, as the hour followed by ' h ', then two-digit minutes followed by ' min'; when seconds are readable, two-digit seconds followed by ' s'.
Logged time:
9 h 31 min
